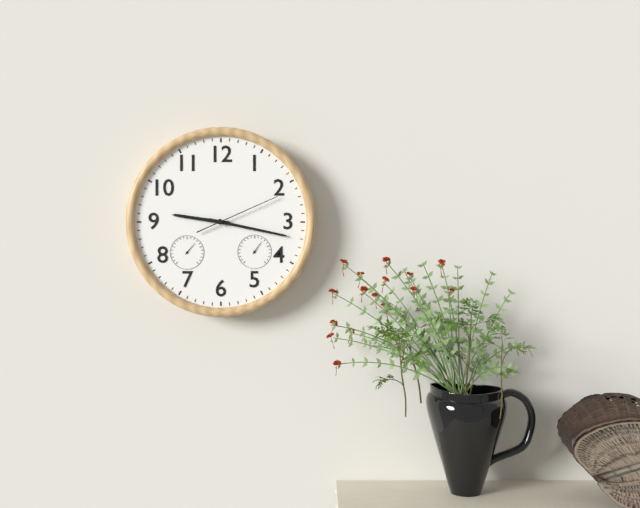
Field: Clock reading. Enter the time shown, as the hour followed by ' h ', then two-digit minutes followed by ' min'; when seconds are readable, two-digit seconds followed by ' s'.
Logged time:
9 h 17 min 11 s
